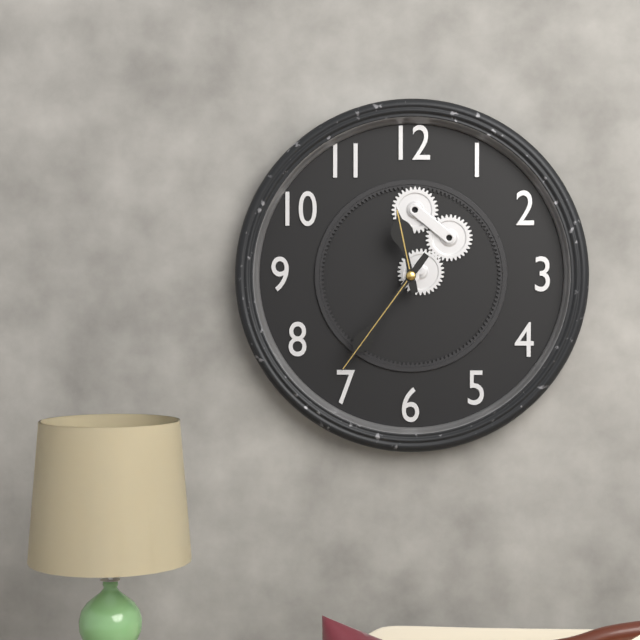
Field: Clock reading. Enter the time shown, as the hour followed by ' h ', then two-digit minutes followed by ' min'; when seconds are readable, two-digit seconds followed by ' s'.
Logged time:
11 h 36 min
